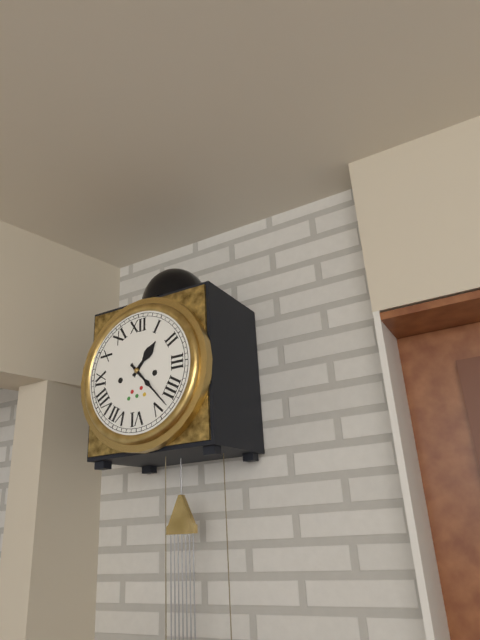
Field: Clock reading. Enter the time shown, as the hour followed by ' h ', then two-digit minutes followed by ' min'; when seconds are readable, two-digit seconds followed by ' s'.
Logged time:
1 h 23 min
